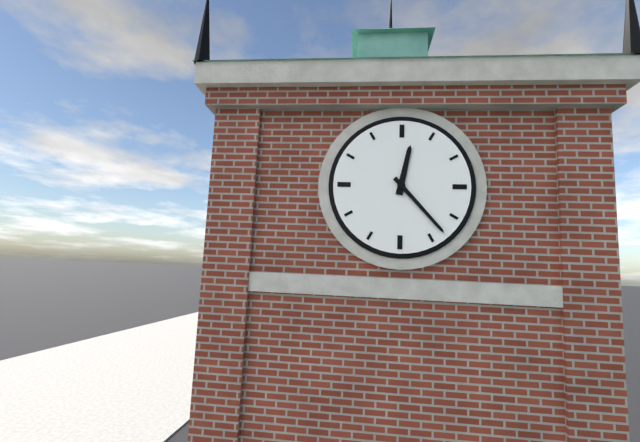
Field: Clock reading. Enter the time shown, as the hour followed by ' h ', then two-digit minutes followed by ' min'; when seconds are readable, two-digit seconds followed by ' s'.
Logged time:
12 h 23 min
